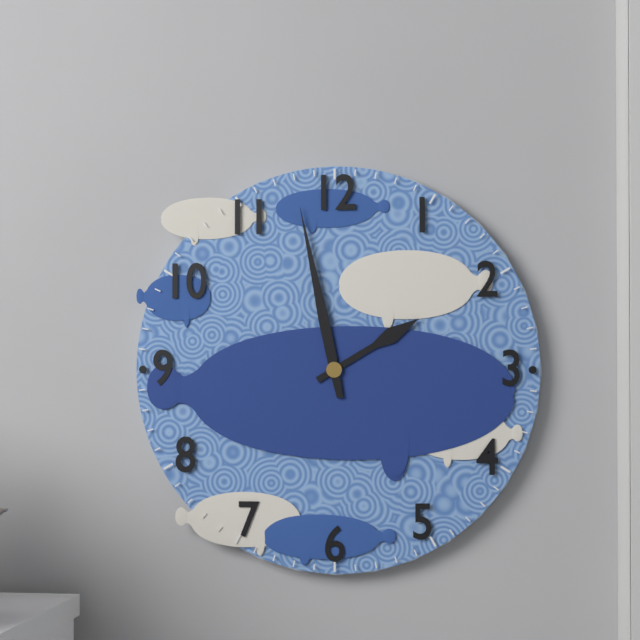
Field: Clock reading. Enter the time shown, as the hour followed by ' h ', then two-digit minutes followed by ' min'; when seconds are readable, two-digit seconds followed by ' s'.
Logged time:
1 h 58 min
